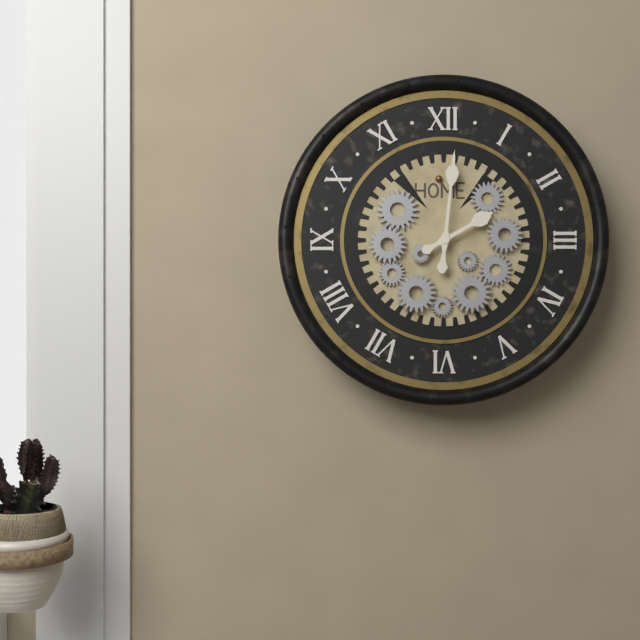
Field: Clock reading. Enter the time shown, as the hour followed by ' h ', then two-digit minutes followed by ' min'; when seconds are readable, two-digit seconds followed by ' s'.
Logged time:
2 h 01 min
